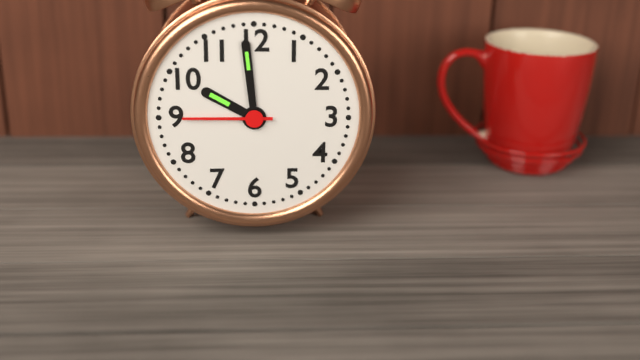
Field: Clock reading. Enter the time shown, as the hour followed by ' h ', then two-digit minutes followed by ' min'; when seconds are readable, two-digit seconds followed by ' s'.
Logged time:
9 h 59 min 45 s
